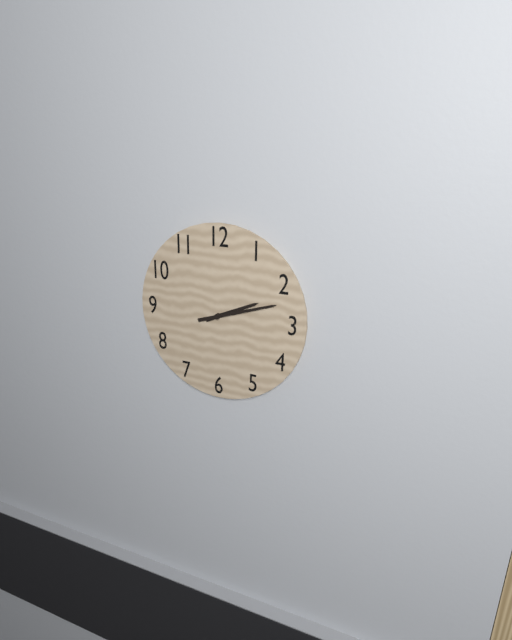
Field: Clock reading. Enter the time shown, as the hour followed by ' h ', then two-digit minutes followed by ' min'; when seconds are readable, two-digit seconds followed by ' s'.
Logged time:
2 h 12 min
